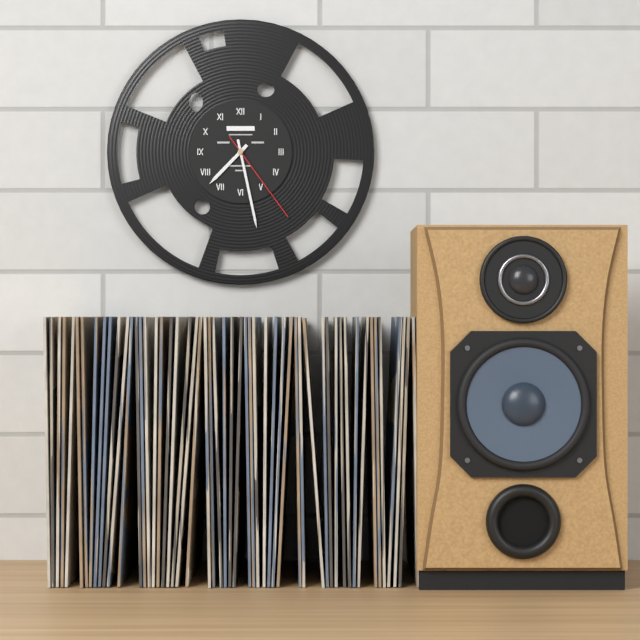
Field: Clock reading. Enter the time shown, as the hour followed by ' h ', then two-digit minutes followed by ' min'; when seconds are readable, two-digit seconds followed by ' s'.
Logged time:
7 h 28 min 24 s
